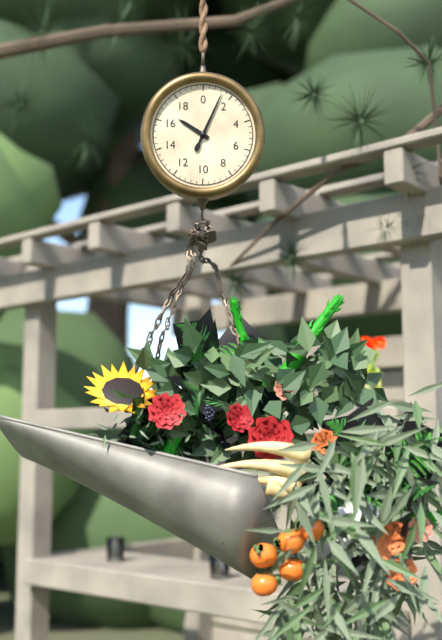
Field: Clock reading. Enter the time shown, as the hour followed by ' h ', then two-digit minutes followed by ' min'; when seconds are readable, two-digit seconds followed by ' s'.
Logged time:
10 h 04 min
